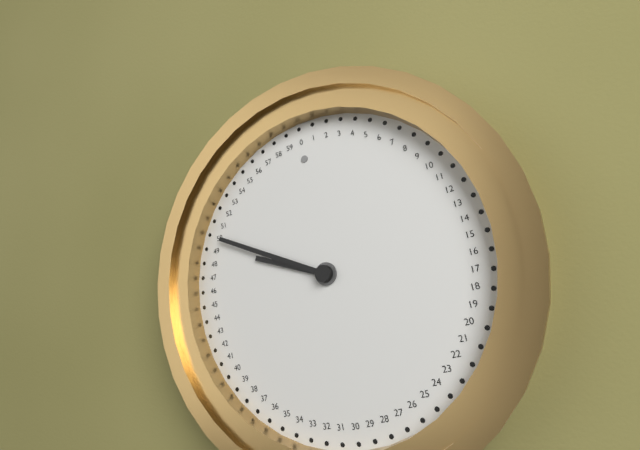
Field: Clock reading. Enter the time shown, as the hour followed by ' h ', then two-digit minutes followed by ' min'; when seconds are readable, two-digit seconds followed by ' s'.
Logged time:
9 h 50 min
